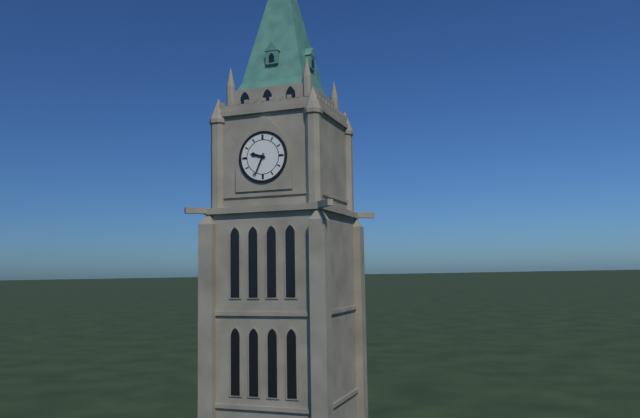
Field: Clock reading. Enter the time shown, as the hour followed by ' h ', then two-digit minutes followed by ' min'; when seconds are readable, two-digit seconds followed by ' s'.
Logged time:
9 h 34 min
